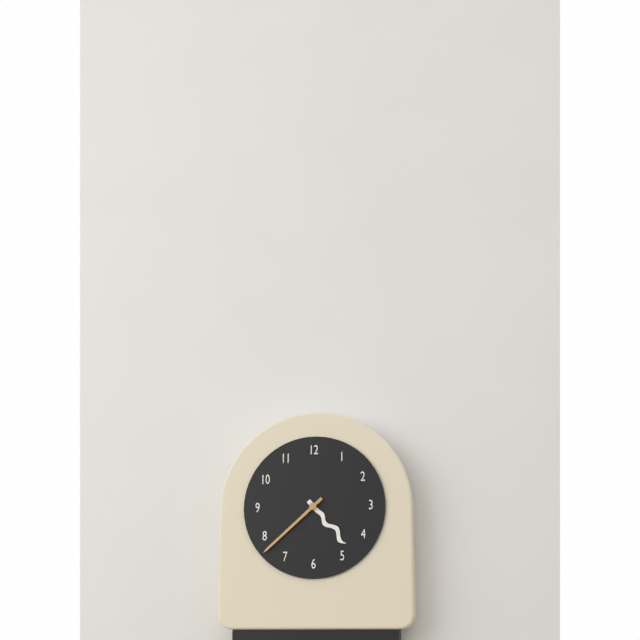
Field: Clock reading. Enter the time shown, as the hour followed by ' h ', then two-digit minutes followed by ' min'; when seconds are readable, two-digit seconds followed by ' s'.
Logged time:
4 h 38 min
